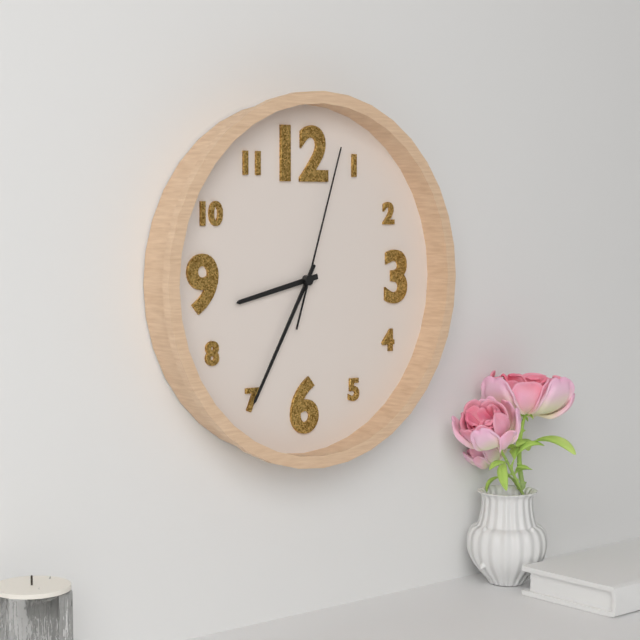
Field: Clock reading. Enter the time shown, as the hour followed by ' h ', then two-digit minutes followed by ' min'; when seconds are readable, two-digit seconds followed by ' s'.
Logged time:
8 h 35 min 03 s
